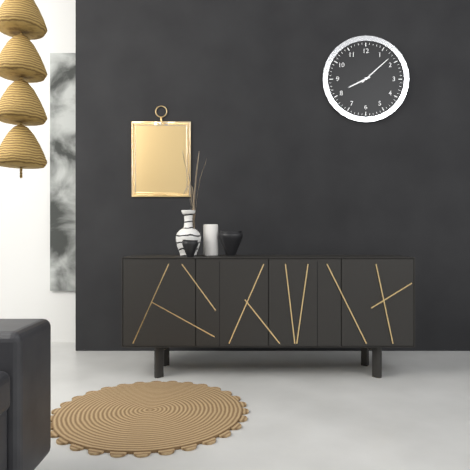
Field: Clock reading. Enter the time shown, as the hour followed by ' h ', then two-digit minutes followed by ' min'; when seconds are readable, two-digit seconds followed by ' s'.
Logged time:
8 h 08 min
